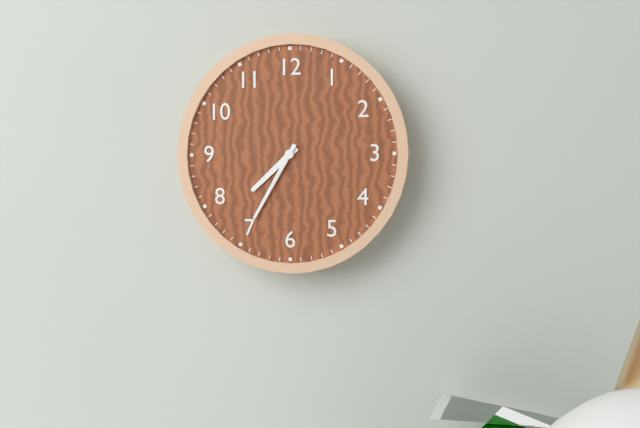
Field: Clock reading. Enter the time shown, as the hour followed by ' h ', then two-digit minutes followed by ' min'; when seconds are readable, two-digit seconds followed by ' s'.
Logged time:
7 h 35 min
